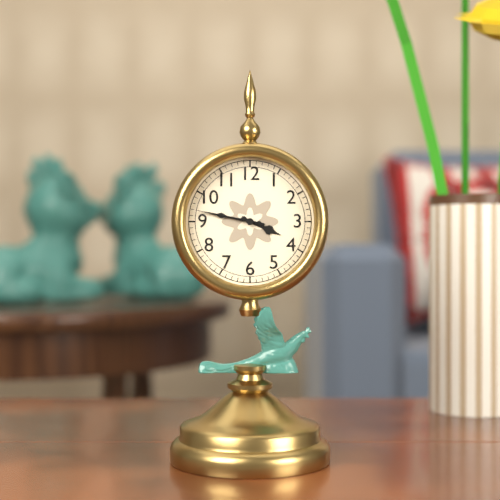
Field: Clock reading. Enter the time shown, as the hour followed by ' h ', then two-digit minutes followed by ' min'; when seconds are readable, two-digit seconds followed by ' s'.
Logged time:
3 h 47 min 47 s
